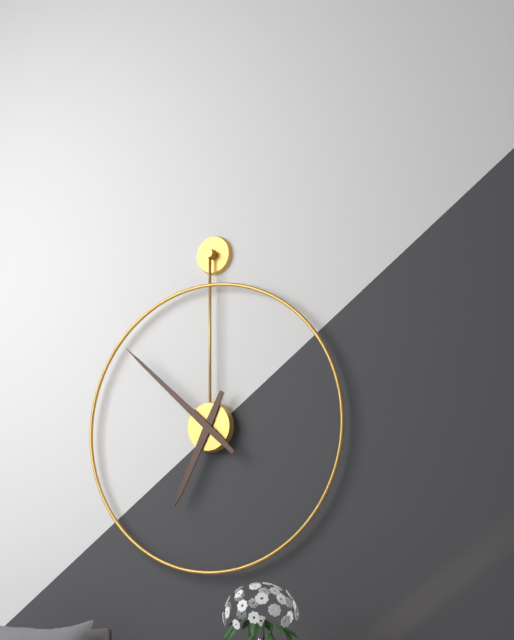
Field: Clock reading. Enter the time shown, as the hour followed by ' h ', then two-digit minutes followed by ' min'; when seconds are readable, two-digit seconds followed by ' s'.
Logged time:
6 h 52 min
